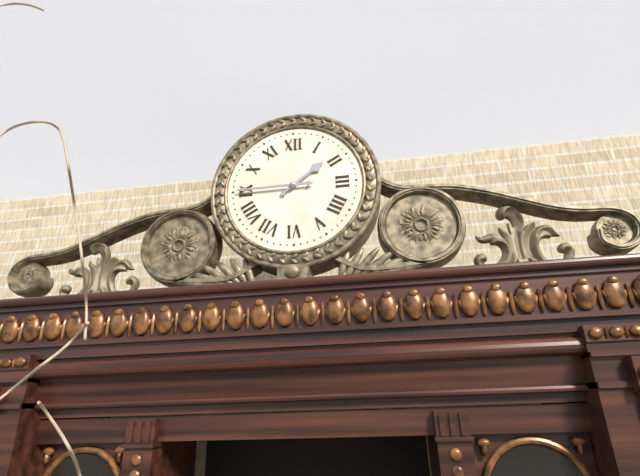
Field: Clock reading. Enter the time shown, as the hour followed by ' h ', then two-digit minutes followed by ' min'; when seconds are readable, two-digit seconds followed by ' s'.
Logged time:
1 h 45 min
